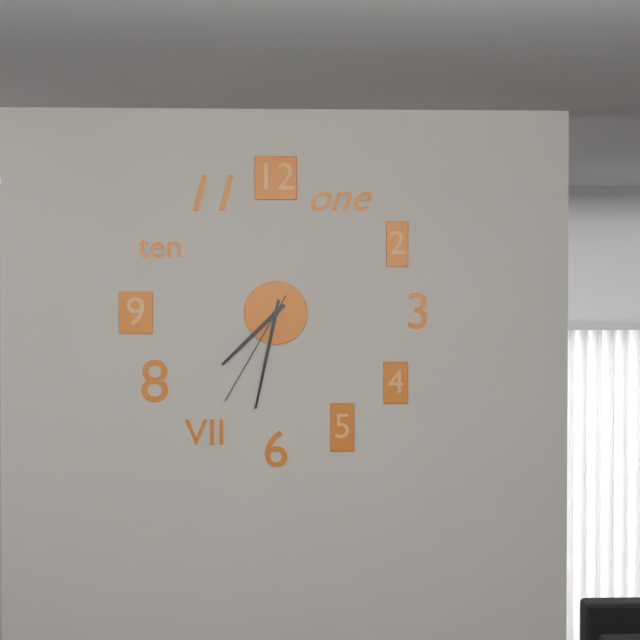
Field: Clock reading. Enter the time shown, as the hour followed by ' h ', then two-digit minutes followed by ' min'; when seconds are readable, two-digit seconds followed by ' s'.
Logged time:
7 h 32 min 35 s
